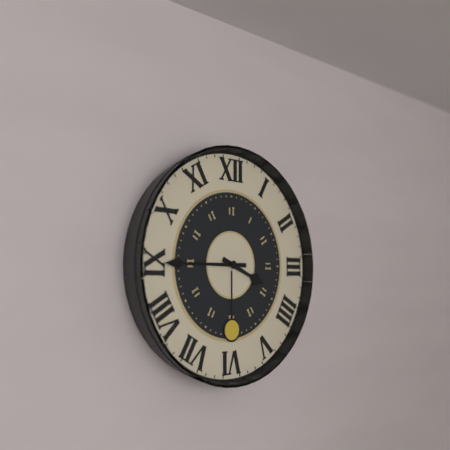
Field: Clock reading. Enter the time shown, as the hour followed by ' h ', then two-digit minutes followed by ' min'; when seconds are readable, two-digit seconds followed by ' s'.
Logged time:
3 h 45 min
